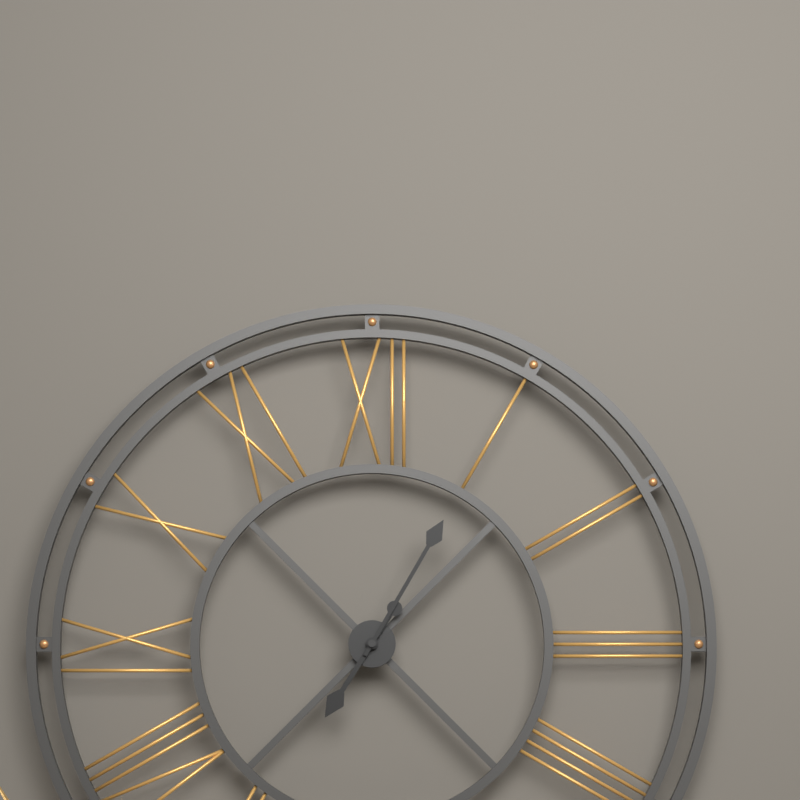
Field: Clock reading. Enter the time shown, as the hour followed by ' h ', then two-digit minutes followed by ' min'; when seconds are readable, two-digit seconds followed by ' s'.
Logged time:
7 h 05 min
